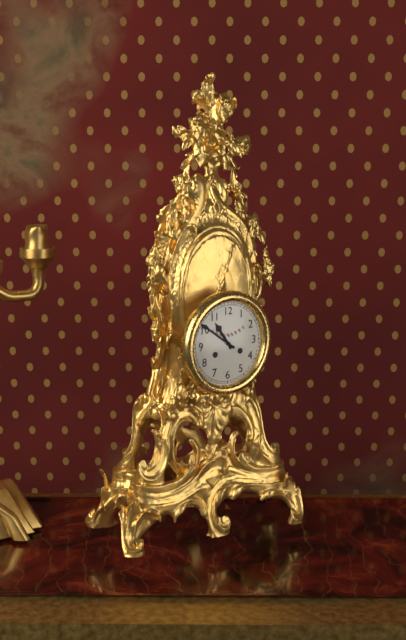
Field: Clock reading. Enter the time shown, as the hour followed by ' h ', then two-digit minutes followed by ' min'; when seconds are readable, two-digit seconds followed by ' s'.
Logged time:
10 h 51 min
